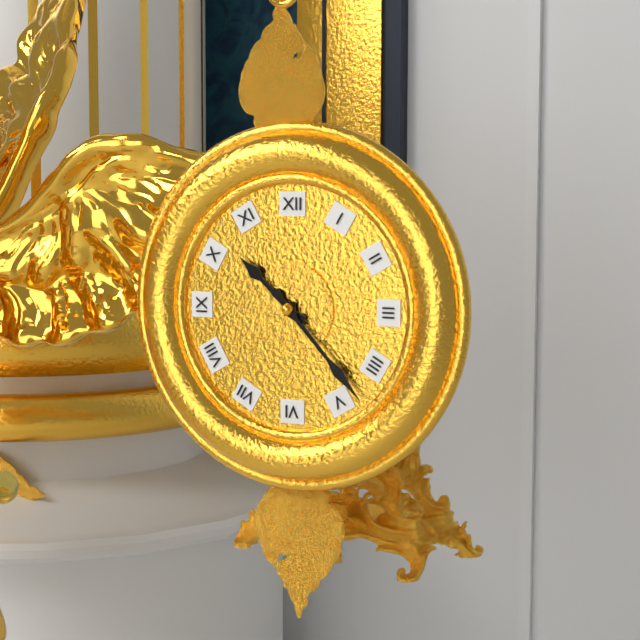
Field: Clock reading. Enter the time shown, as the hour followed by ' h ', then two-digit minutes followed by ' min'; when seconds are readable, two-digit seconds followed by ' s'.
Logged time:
10 h 23 min
